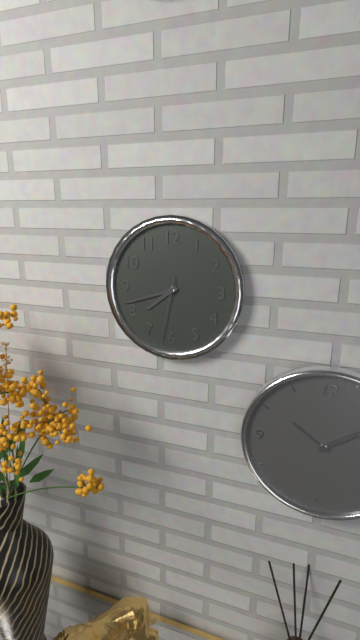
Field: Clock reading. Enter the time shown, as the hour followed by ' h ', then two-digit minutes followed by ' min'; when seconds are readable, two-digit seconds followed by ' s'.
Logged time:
7 h 42 min 32 s
